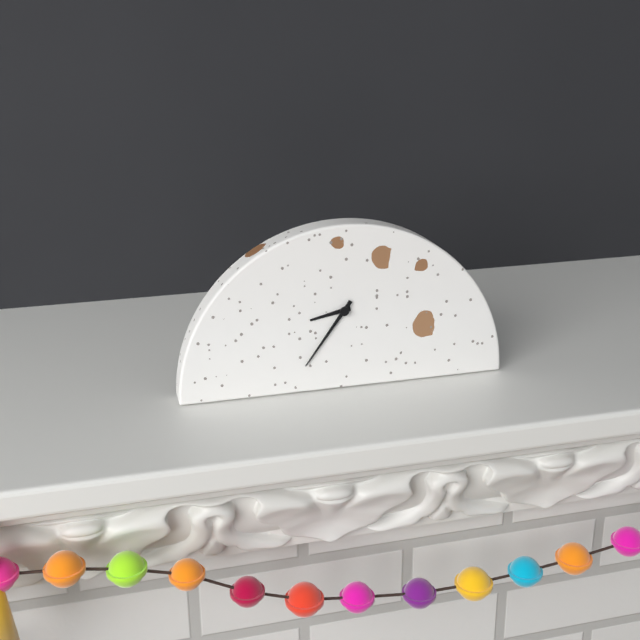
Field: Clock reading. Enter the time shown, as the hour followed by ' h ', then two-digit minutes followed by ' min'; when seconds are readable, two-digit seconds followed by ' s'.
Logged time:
8 h 36 min
